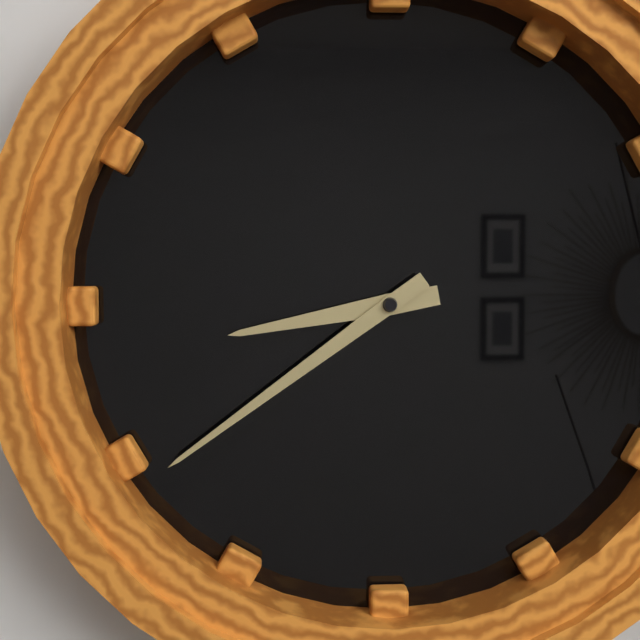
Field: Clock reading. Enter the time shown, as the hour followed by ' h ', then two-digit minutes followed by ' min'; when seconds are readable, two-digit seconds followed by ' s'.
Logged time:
8 h 39 min
